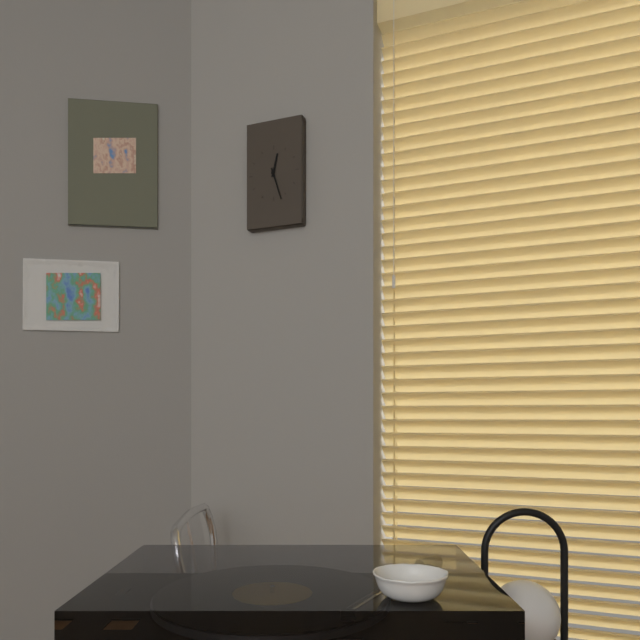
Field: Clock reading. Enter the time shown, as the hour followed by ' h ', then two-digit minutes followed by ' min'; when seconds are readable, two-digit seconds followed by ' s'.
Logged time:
12 h 27 min
